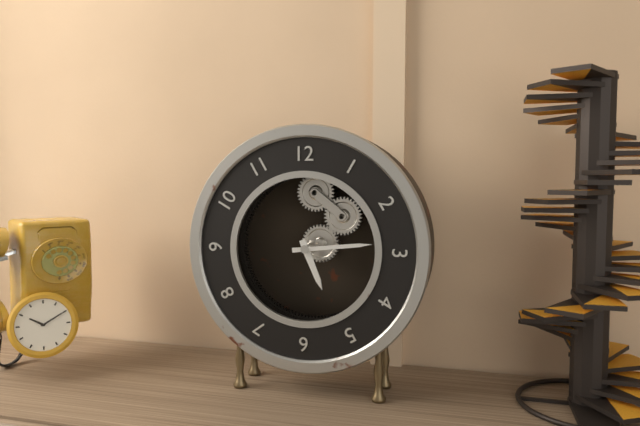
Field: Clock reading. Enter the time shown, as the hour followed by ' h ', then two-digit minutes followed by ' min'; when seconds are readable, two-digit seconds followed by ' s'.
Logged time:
5 h 14 min
